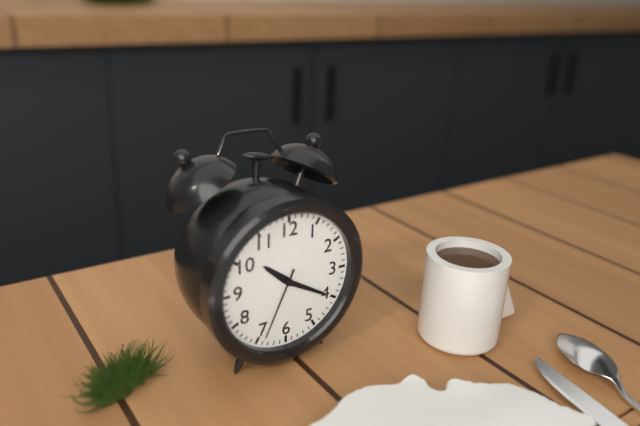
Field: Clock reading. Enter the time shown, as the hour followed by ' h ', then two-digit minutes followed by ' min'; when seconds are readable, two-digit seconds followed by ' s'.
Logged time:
10 h 20 min 34 s
